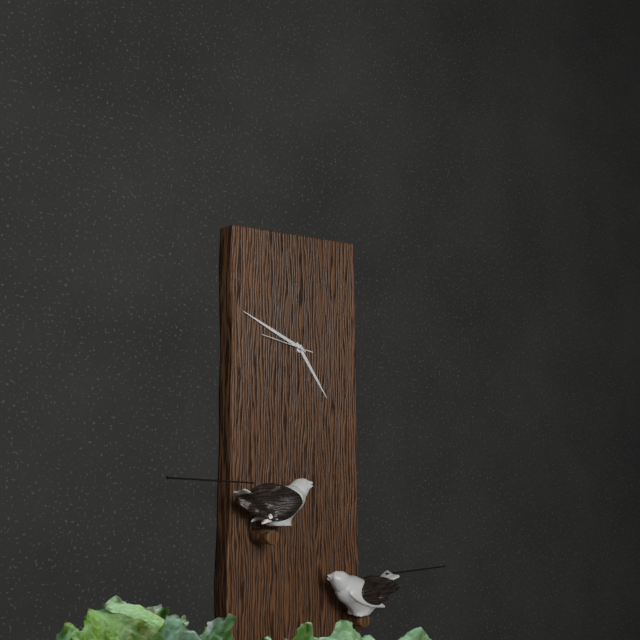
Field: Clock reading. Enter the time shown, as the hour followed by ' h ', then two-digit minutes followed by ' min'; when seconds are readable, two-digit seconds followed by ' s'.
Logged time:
4 h 49 min 47 s
